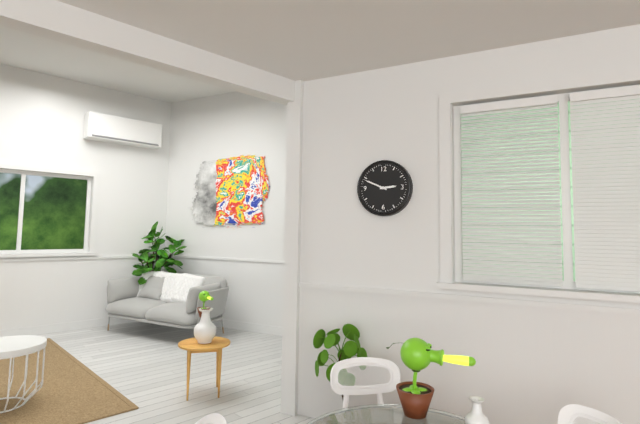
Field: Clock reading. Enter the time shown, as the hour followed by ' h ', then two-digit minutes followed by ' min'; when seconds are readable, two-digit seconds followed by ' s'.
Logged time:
2 h 49 min
